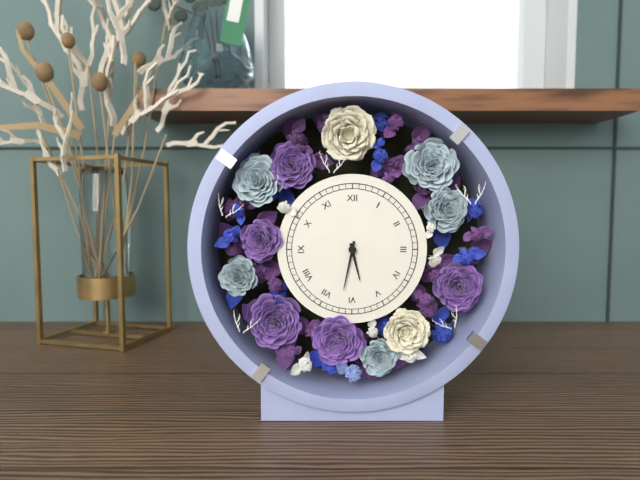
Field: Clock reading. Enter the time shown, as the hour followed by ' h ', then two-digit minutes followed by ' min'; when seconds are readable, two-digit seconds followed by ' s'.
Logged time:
5 h 32 min
